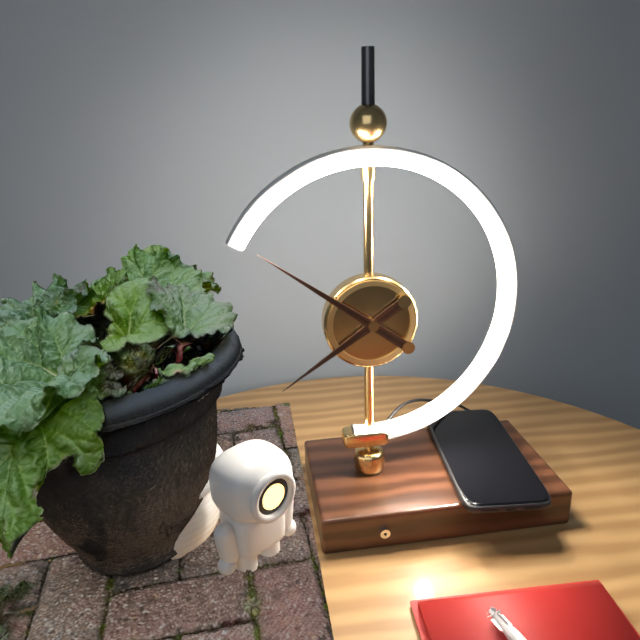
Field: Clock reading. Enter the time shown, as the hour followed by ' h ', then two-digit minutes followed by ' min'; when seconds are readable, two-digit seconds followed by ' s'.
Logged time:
7 h 51 min
